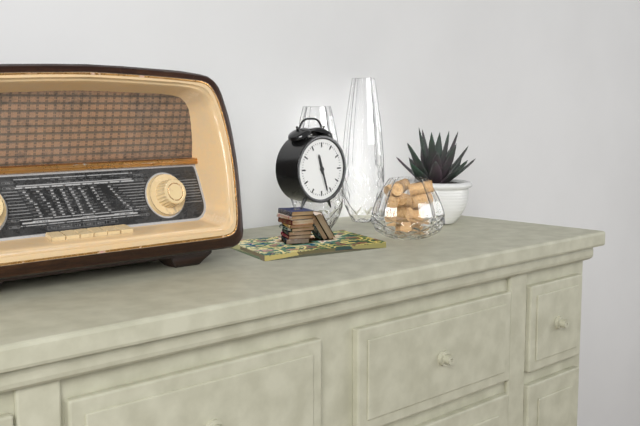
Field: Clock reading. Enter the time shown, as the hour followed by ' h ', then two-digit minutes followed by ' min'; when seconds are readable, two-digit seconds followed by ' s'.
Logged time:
11 h 27 min
